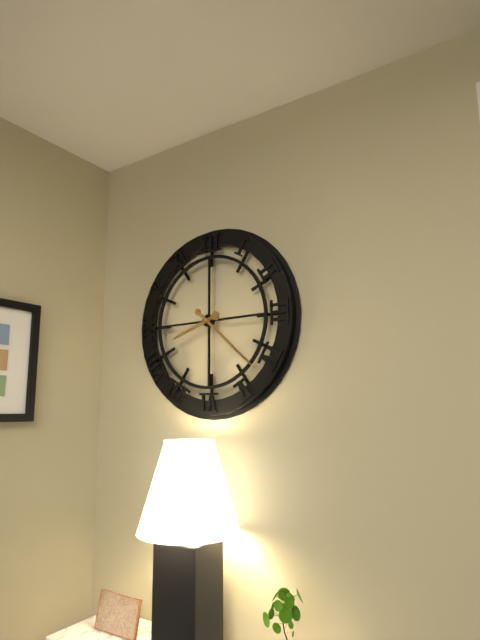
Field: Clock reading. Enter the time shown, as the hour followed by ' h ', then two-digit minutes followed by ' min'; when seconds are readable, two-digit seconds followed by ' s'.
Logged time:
8 h 22 min
